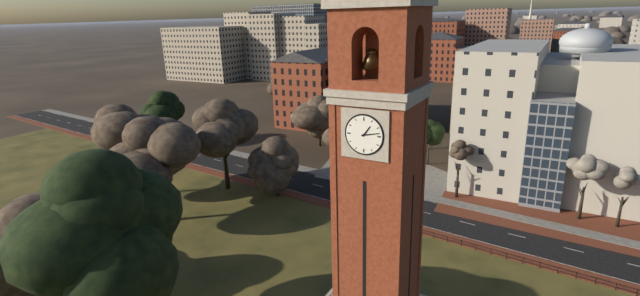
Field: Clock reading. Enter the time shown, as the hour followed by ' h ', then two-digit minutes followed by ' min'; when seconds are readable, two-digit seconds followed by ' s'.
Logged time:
1 h 13 min
